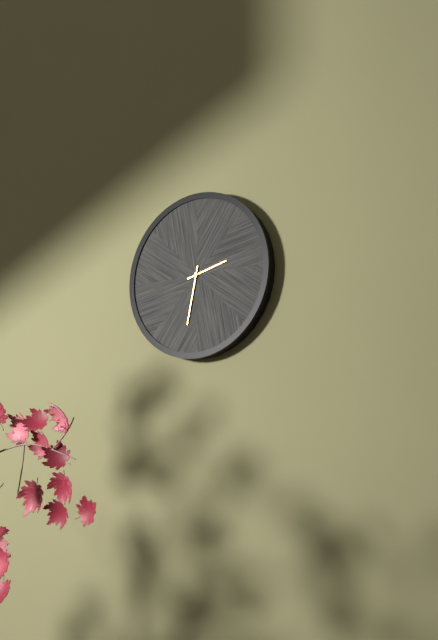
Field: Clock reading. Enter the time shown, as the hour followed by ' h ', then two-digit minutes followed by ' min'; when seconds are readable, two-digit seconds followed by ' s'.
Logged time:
2 h 32 min
